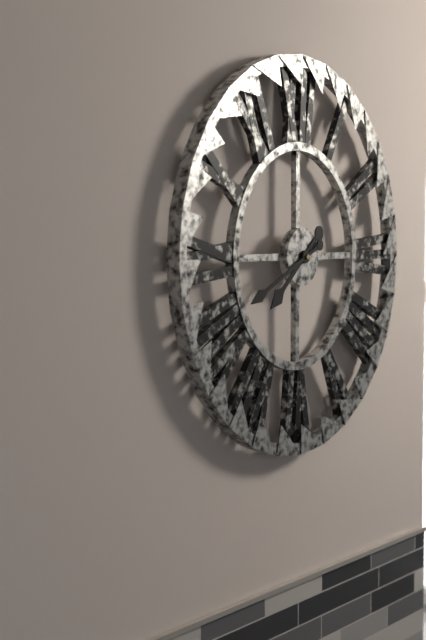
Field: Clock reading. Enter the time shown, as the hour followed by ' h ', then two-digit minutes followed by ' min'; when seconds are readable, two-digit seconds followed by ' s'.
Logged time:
7 h 41 min
